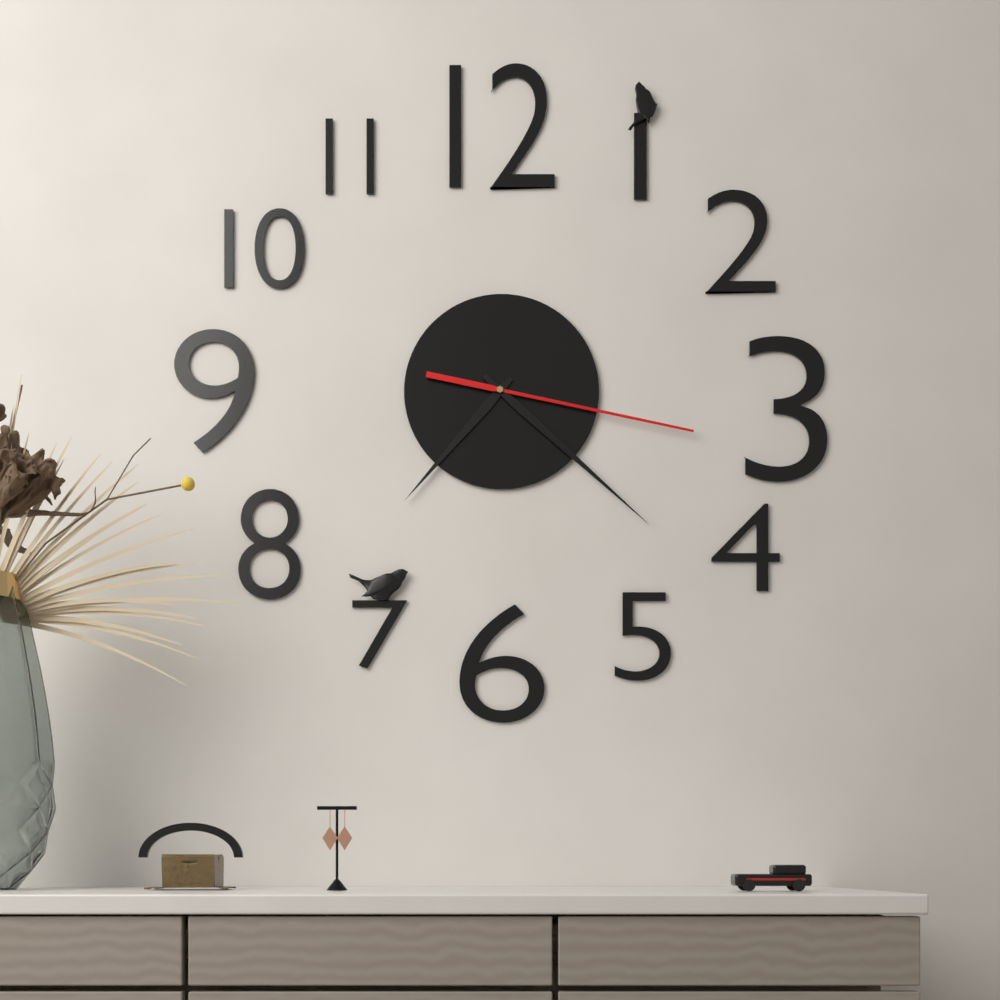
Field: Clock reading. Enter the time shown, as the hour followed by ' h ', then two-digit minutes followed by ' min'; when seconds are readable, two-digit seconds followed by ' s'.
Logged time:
7 h 22 min 17 s
